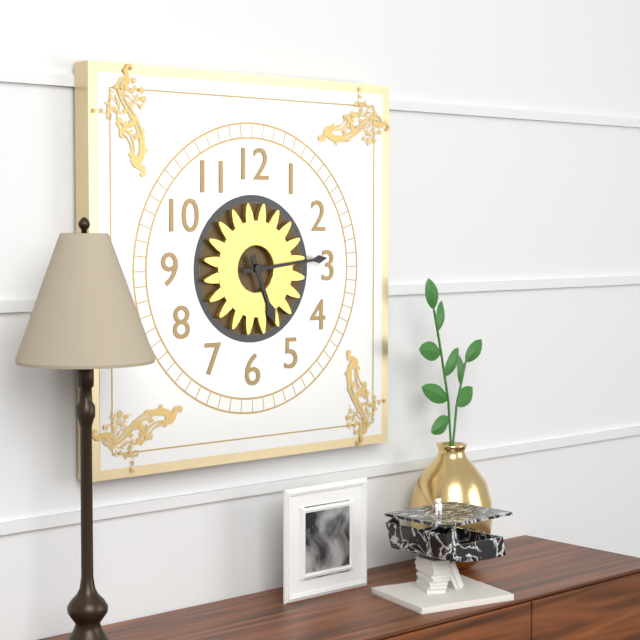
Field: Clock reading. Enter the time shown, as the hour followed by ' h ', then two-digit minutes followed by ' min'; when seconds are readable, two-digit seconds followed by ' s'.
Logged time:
5 h 14 min
